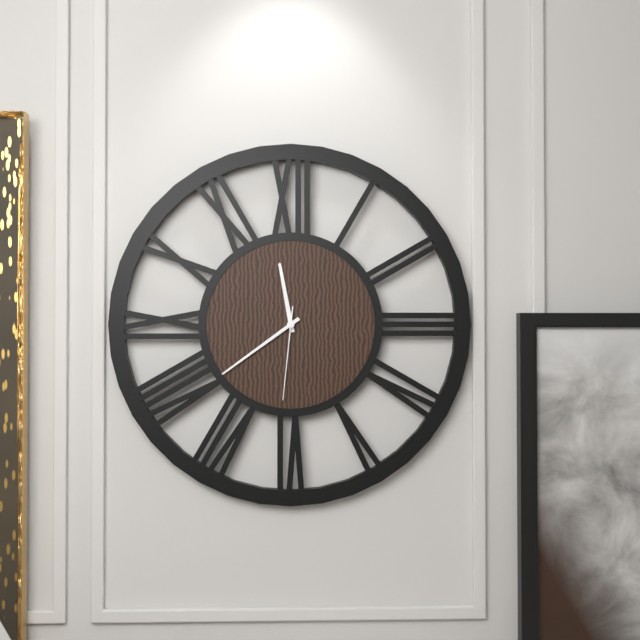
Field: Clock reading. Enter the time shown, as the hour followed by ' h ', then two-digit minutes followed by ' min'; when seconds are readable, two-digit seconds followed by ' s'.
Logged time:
11 h 39 min 31 s
